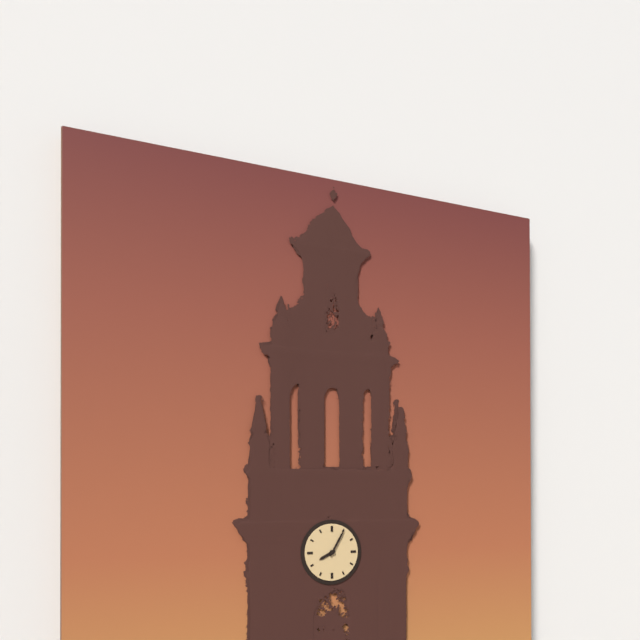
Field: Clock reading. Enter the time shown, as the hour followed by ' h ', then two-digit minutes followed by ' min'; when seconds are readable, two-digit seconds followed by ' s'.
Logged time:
8 h 05 min
